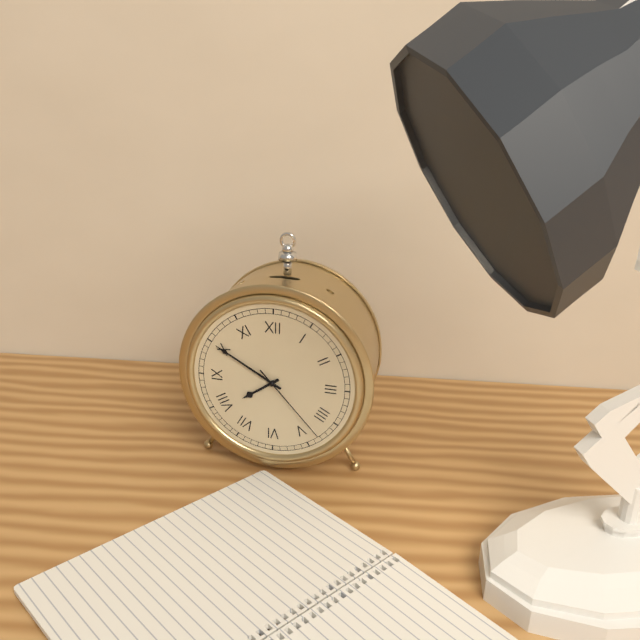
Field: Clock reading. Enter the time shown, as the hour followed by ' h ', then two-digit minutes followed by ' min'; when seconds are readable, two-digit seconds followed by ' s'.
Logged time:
7 h 50 min 23 s
